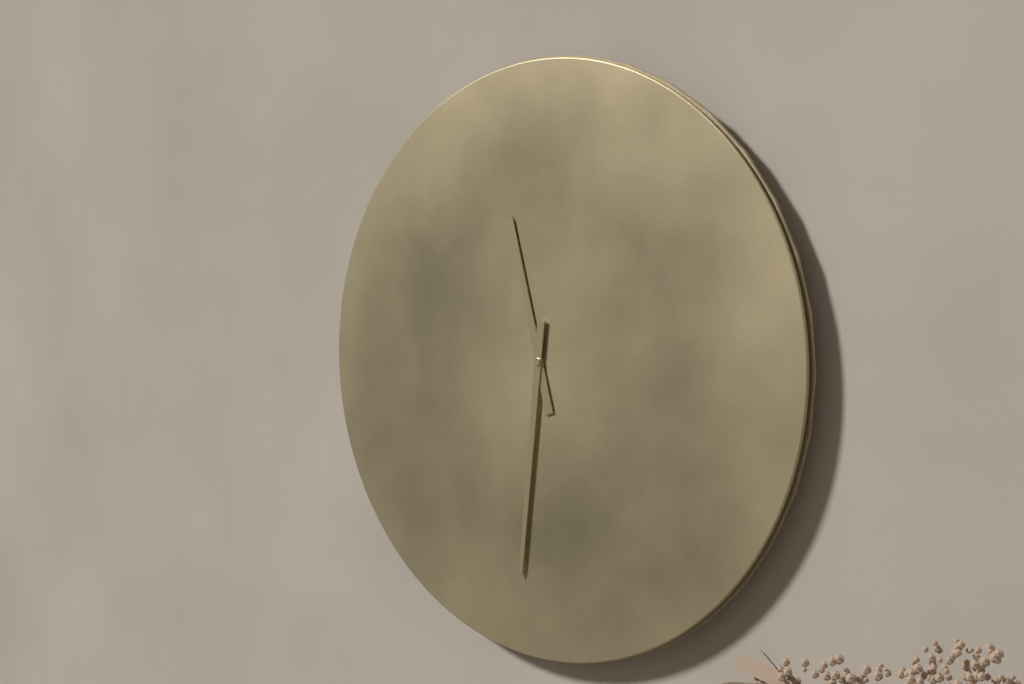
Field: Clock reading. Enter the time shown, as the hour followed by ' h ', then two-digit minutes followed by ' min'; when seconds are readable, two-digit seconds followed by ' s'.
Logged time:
11 h 31 min
